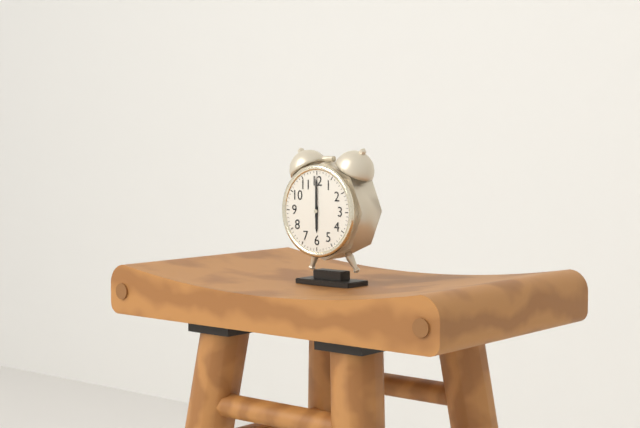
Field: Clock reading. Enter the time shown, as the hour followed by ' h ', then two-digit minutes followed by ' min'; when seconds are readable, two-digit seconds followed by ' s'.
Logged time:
6 h 00 min
